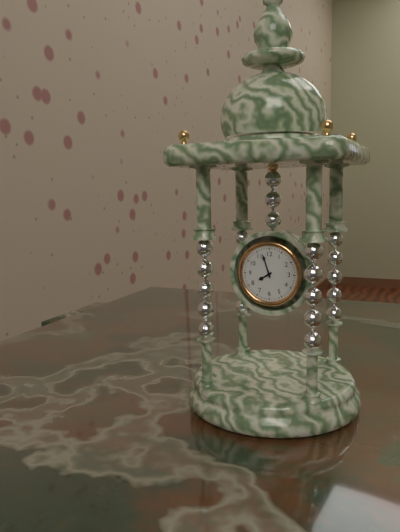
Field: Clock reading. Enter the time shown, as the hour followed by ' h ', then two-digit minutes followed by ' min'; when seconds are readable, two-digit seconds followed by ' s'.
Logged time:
7 h 57 min
